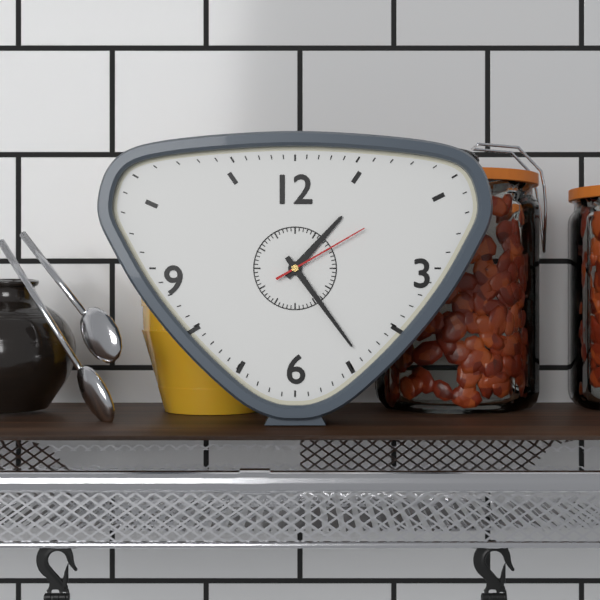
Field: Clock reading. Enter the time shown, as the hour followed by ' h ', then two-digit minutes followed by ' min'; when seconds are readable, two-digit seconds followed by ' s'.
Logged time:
1 h 24 min 10 s
